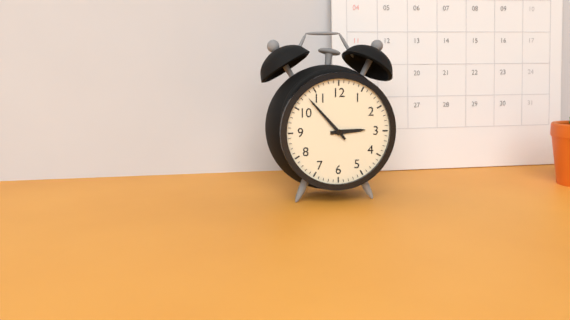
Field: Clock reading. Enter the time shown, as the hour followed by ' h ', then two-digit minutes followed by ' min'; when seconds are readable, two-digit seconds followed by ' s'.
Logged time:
2 h 53 min
